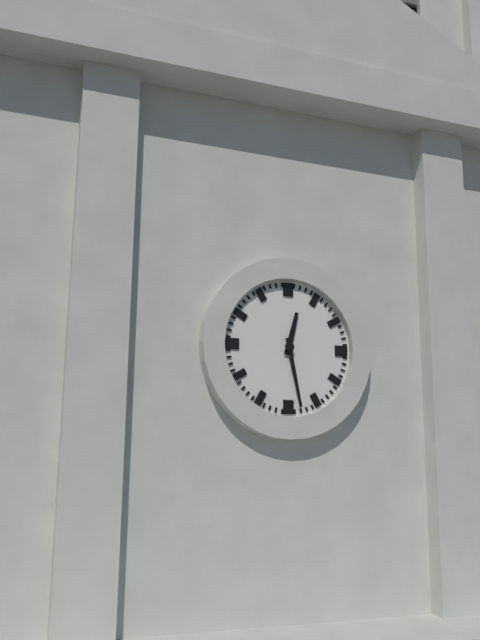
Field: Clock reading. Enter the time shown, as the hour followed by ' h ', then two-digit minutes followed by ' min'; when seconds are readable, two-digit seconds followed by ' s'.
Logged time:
12 h 28 min
